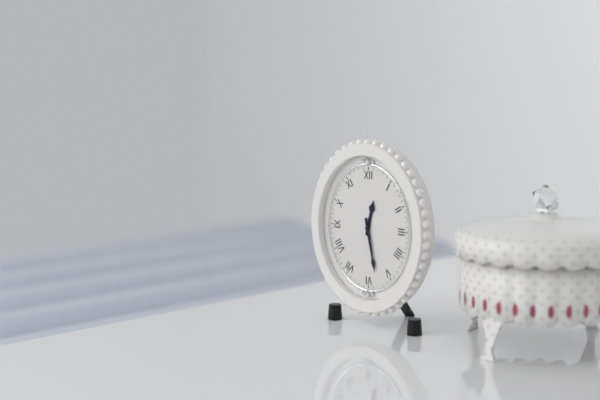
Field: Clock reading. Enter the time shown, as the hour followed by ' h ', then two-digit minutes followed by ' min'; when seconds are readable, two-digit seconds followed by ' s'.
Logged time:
12 h 28 min
